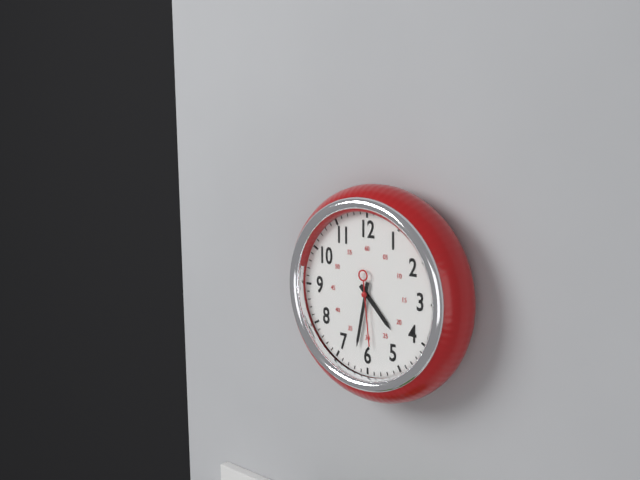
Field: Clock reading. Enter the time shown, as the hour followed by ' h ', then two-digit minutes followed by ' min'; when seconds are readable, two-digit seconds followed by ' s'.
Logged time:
4 h 32 min 29 s
